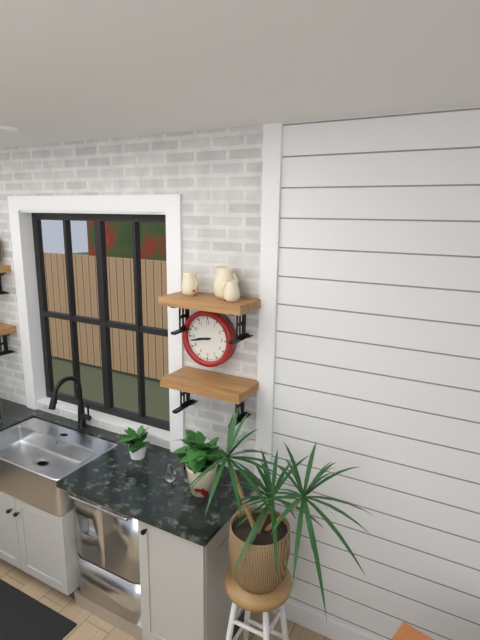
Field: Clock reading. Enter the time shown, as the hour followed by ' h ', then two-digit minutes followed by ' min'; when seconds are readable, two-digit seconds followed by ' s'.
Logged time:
8 h 43 min
